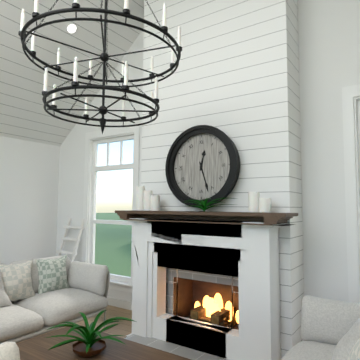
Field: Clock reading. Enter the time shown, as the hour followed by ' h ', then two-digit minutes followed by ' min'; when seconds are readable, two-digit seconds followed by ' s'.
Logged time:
12 h 27 min
